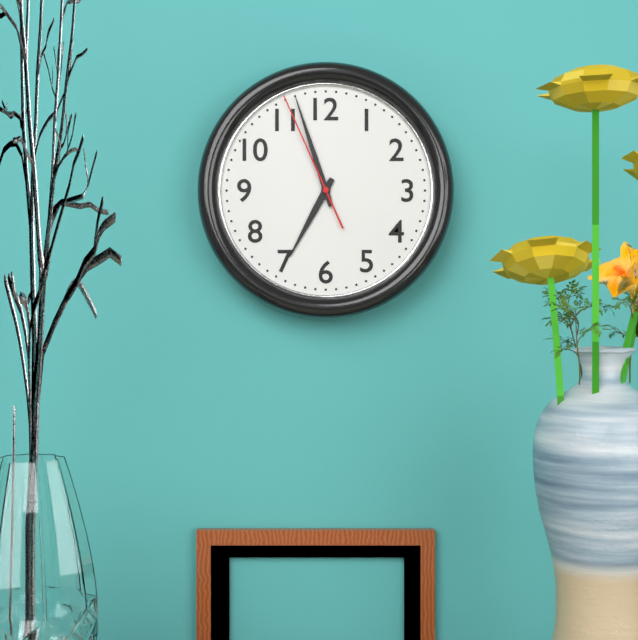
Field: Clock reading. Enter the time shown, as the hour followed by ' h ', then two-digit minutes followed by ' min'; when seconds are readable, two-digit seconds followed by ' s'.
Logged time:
6 h 57 min 56 s
